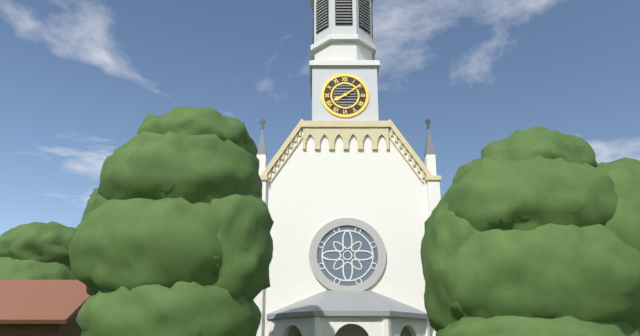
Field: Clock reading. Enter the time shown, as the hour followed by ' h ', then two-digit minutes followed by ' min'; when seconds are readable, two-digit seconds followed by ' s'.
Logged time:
8 h 09 min
